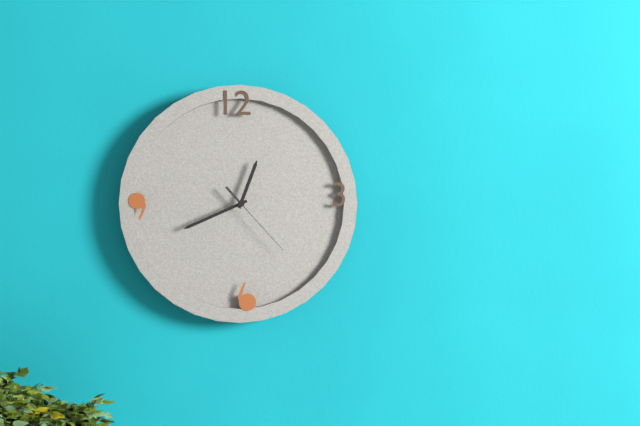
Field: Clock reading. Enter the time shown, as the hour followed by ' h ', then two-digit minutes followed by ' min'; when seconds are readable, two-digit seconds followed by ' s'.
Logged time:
12 h 41 min 23 s
